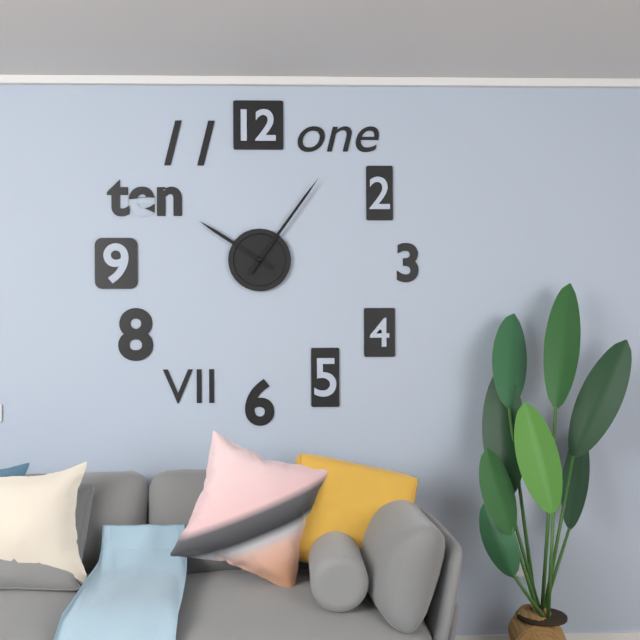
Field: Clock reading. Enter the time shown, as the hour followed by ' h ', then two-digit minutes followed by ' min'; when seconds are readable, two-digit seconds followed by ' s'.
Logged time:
10 h 06 min
